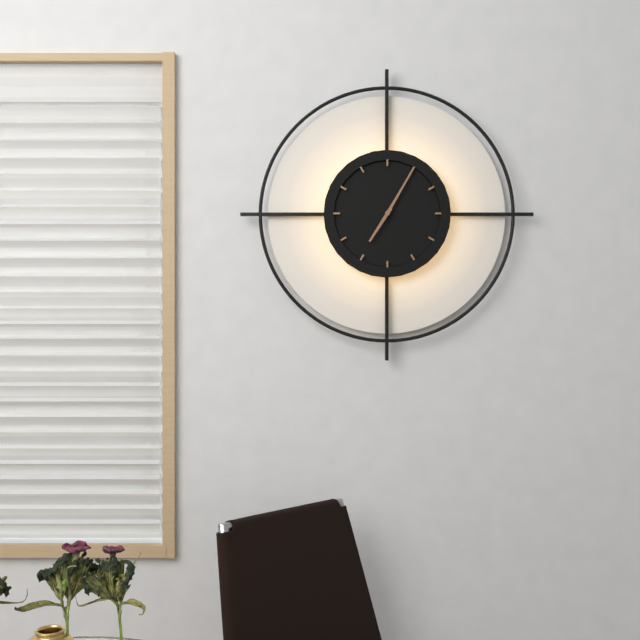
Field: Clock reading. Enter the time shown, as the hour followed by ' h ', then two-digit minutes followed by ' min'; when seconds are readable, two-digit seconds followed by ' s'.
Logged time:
7 h 05 min
